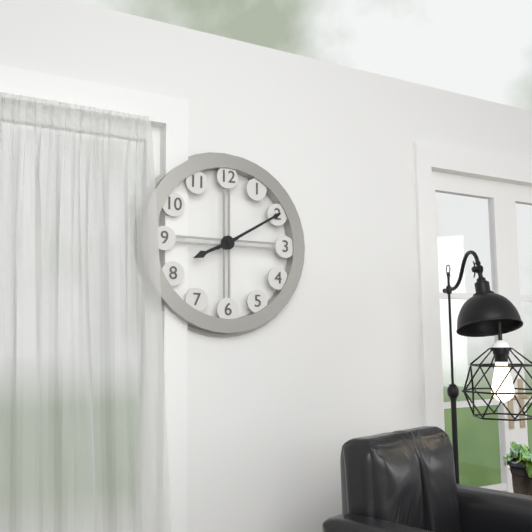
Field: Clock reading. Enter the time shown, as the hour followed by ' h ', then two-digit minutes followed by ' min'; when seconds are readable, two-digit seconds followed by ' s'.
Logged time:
8 h 10 min
